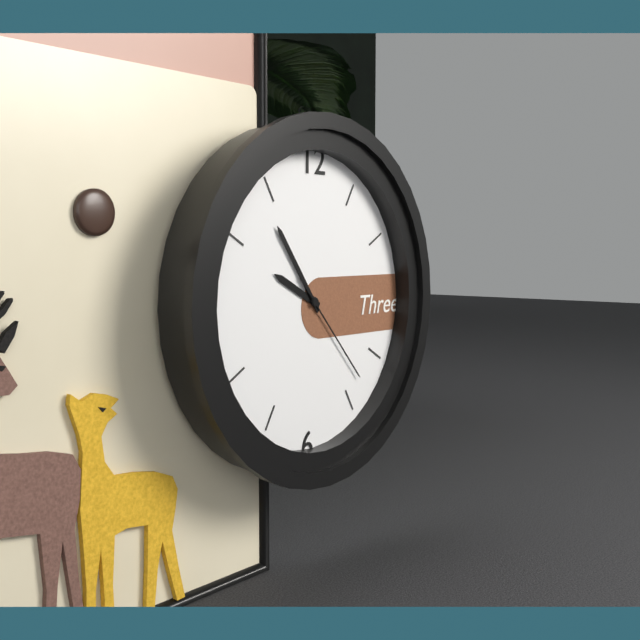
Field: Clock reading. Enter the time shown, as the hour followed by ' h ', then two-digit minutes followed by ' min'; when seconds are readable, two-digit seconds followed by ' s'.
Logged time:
9 h 54 min 23 s
